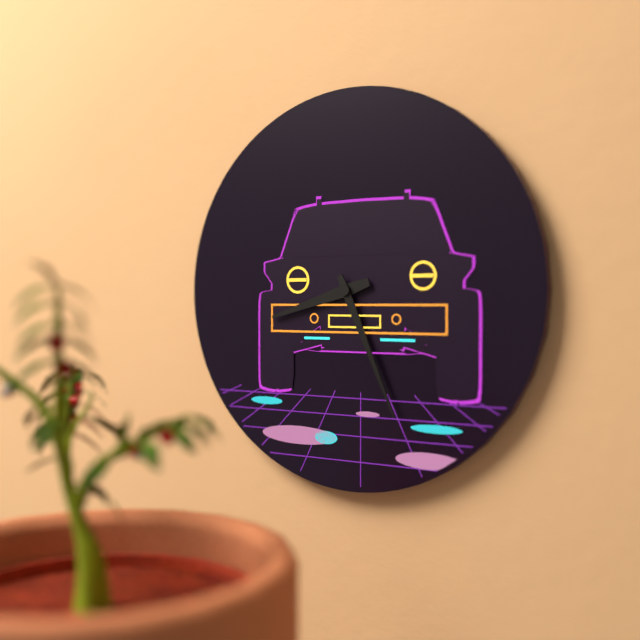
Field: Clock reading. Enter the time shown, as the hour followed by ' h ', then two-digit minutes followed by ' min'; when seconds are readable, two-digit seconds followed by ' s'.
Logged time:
8 h 26 min
